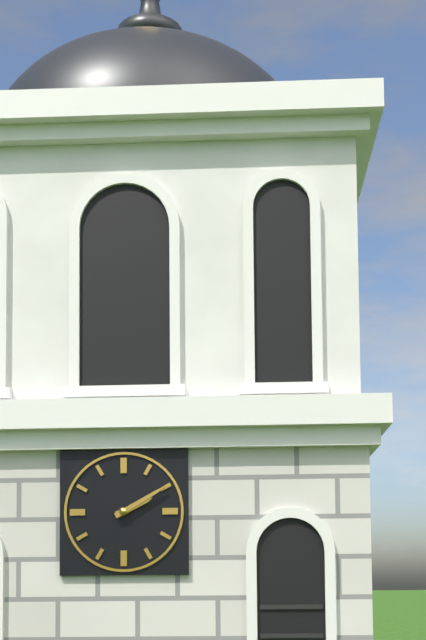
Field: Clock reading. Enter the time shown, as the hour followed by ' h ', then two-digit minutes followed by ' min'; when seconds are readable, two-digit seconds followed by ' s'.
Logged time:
2 h 10 min
